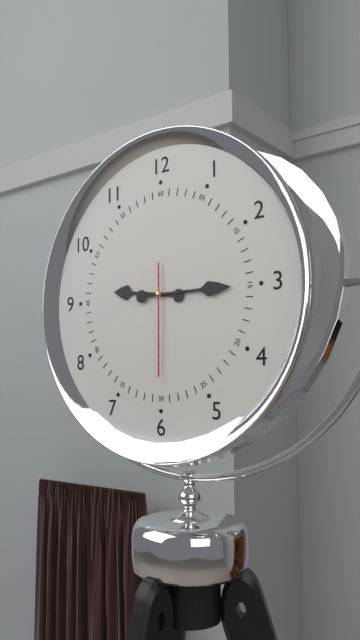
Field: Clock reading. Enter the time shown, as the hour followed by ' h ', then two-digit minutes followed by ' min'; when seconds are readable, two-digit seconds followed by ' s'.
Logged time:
9 h 15 min 30 s
